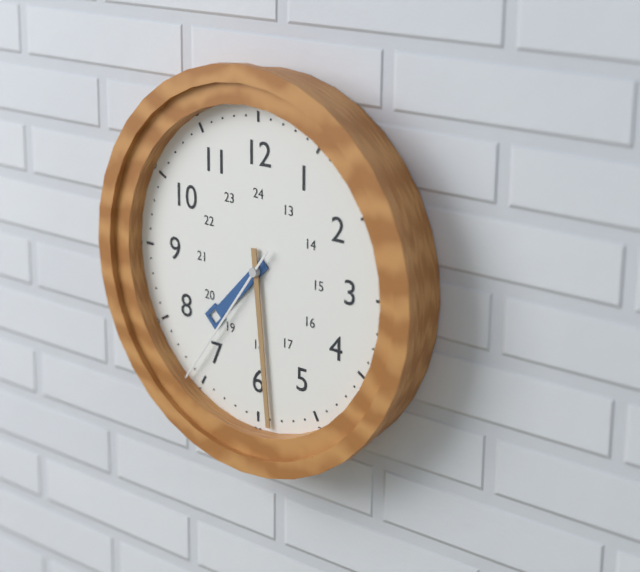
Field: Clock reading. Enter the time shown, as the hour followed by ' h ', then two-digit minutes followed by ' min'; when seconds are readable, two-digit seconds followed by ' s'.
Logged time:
7 h 29 min 36 s
